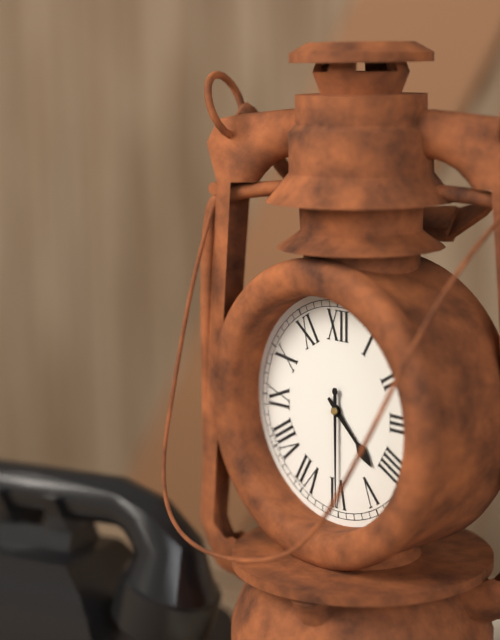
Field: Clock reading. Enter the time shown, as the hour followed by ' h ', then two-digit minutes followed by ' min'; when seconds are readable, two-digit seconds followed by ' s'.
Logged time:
4 h 30 min
